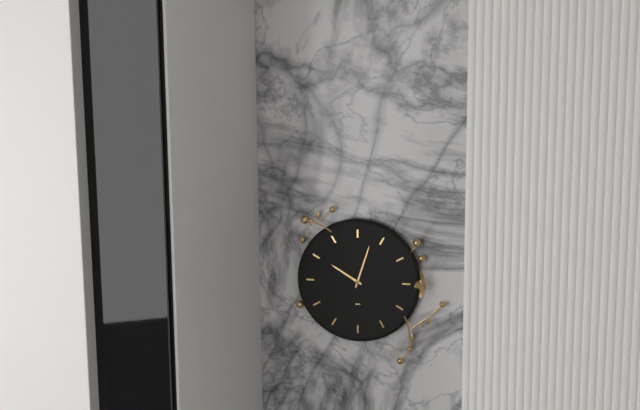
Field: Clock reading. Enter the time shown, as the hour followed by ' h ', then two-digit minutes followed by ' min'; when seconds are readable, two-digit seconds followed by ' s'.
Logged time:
10 h 03 min
